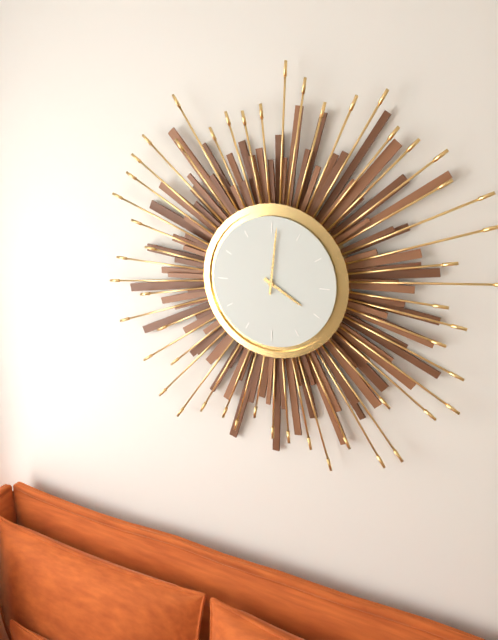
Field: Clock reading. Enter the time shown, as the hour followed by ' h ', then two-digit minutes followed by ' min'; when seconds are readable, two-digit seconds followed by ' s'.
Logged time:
4 h 01 min
